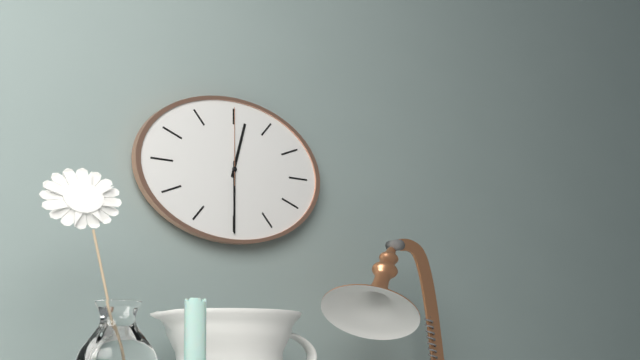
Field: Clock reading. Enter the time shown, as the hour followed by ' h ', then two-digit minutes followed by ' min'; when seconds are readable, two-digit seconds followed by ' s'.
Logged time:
12 h 30 min 00 s
